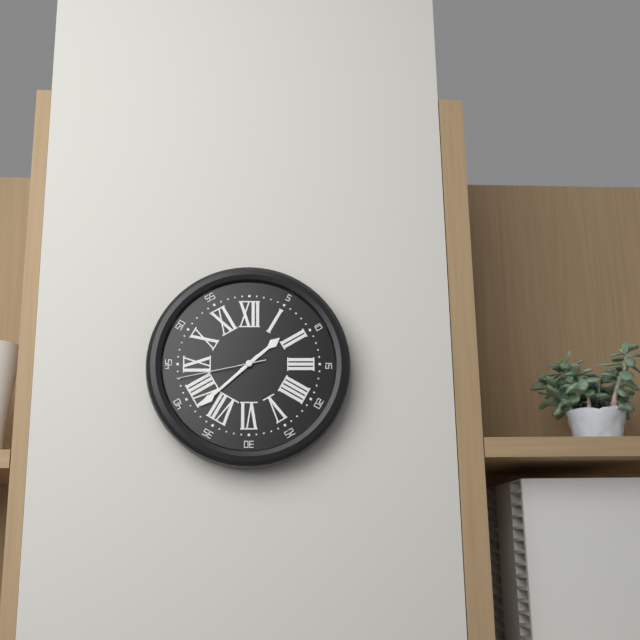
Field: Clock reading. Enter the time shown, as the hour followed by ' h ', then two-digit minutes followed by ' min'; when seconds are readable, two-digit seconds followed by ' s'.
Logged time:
1 h 38 min 43 s
